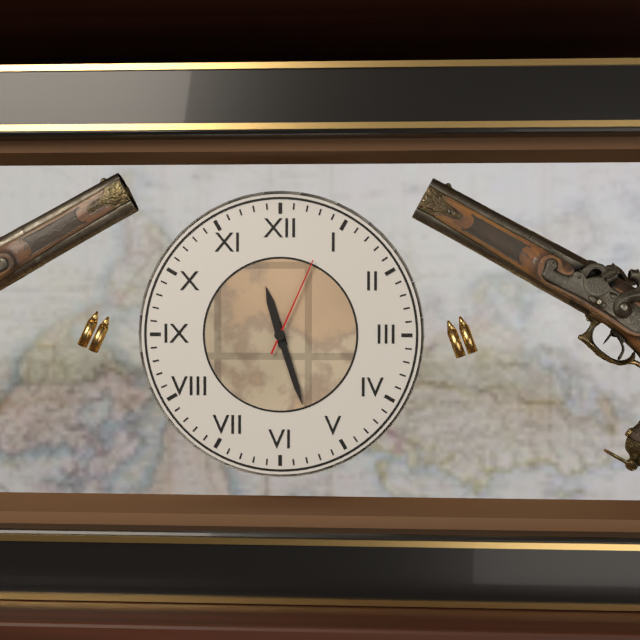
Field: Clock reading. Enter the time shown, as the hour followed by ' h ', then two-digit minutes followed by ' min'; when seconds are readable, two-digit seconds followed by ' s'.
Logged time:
11 h 27 min 04 s
